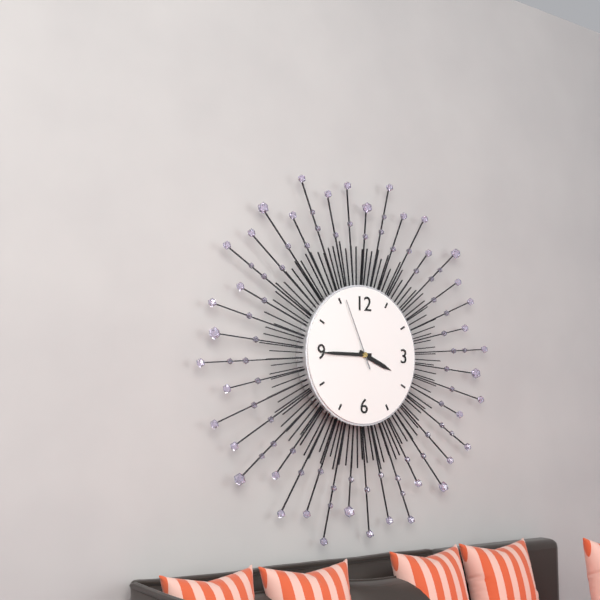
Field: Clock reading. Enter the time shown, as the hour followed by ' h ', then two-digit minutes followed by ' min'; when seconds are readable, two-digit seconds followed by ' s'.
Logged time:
3 h 45 min 56 s
